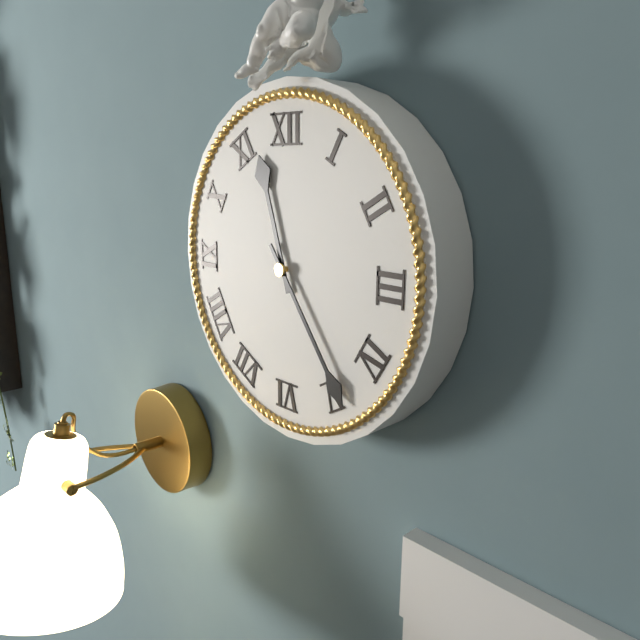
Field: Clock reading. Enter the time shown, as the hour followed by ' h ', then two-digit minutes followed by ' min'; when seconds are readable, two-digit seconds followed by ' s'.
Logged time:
11 h 24 min
